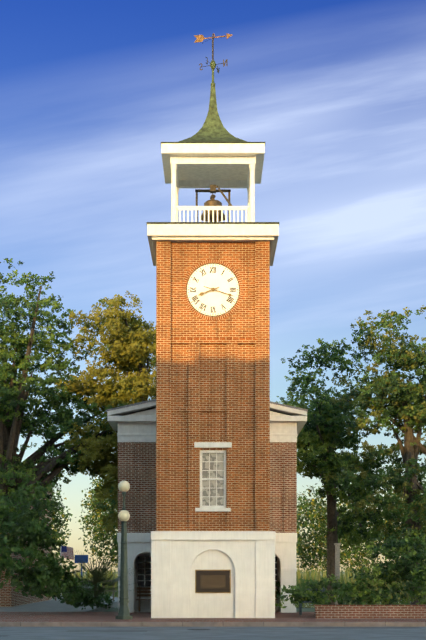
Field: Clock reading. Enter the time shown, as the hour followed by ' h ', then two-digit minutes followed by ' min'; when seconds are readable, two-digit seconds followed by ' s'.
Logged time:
8 h 18 min
